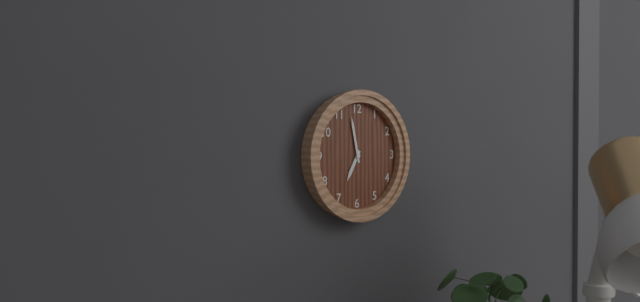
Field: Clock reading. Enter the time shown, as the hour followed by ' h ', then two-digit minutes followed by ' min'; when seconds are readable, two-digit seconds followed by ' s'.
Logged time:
6 h 58 min
